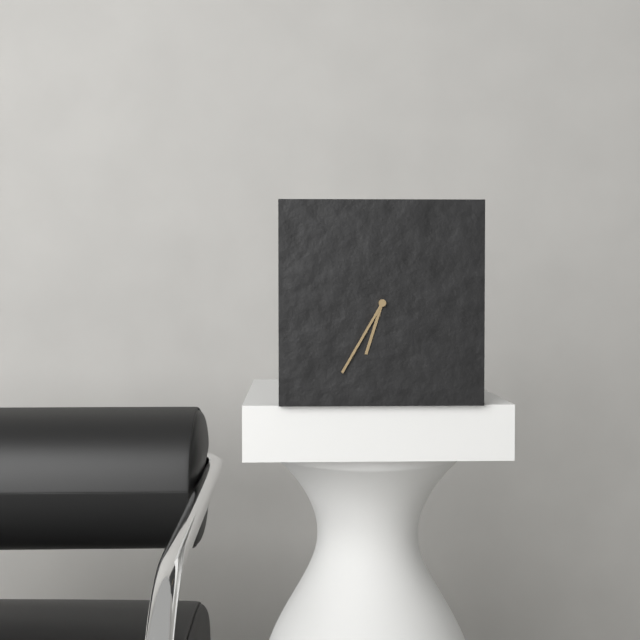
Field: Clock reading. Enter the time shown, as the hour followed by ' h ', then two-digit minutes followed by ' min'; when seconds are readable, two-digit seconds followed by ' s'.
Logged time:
6 h 35 min
